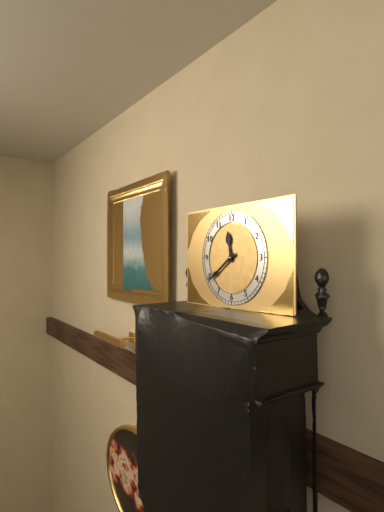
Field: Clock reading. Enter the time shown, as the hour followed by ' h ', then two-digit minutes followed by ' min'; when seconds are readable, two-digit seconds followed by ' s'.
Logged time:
11 h 39 min
